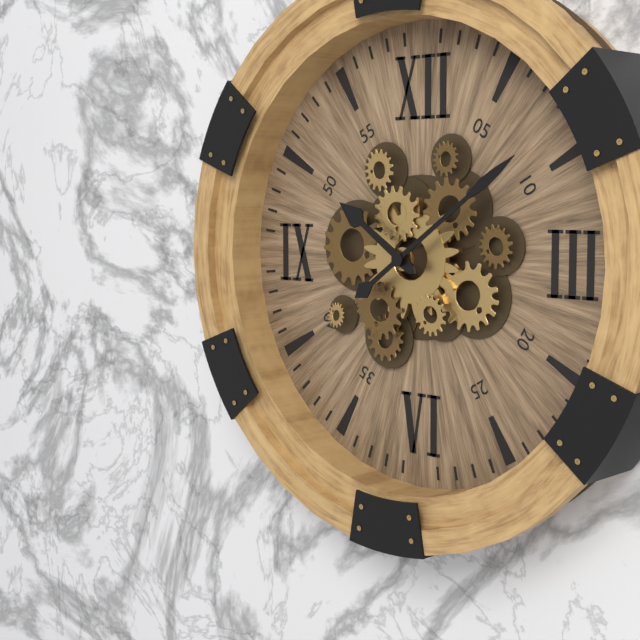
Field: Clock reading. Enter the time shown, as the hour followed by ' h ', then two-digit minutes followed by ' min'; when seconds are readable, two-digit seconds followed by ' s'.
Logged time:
10 h 09 min
